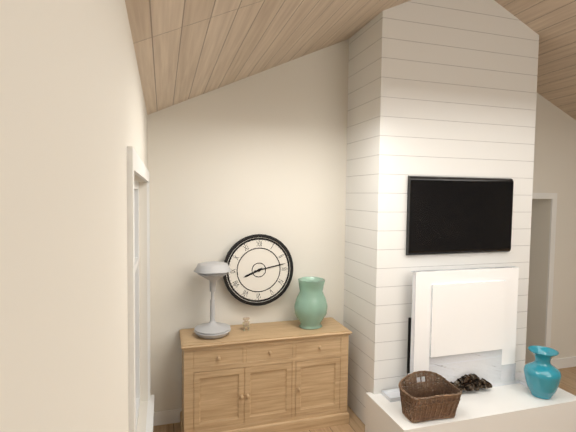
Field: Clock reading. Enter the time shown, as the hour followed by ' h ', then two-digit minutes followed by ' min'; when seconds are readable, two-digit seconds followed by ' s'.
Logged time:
8 h 13 min
